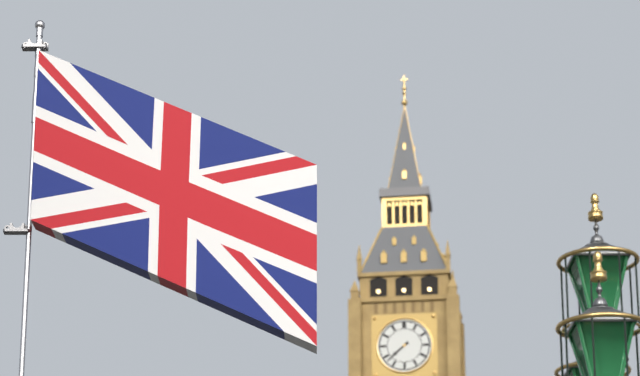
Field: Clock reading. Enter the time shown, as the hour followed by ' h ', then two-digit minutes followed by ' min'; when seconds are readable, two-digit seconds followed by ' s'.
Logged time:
7 h 38 min
